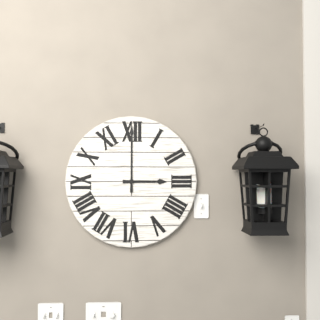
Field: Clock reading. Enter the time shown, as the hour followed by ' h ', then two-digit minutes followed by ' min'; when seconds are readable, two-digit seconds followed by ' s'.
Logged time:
3 h 00 min
